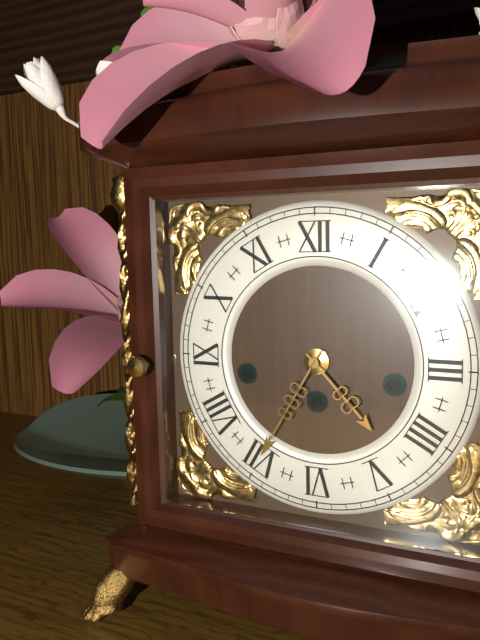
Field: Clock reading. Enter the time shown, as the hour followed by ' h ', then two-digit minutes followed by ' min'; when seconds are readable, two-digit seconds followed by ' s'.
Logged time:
4 h 35 min
